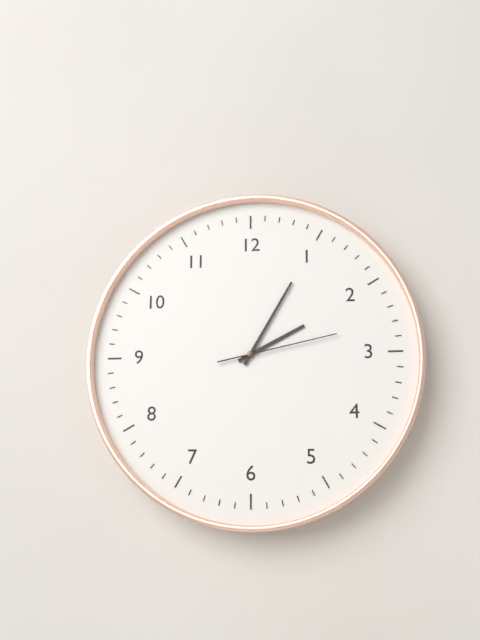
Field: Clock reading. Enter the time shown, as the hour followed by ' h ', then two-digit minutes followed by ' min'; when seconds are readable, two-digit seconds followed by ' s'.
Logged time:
2 h 05 min 13 s
